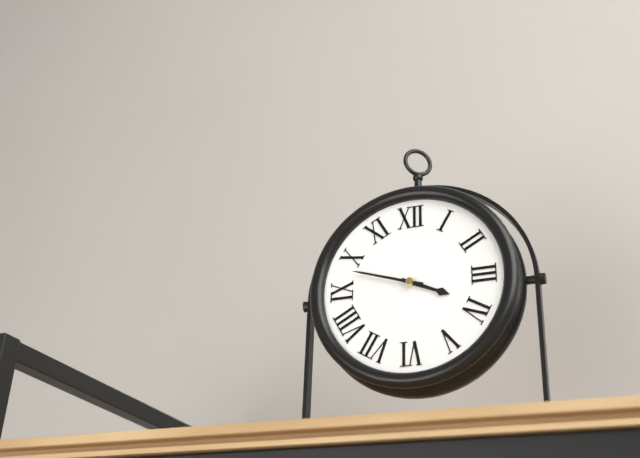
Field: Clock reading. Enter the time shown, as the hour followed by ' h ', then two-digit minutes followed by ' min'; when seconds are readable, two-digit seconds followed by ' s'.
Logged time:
3 h 48 min
